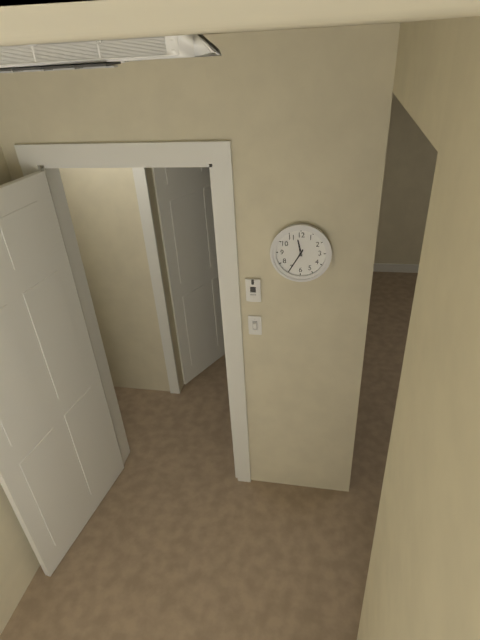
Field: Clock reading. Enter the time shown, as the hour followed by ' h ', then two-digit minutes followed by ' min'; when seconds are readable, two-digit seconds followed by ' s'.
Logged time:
11 h 35 min
